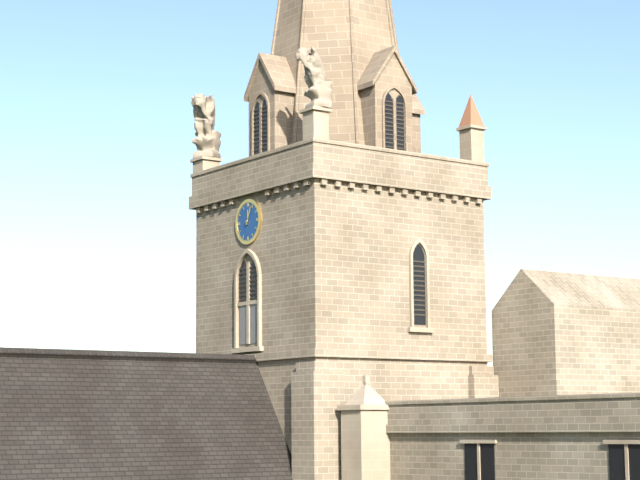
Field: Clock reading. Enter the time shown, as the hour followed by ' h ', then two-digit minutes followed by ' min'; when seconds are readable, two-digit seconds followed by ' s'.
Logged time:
12 h 04 min
